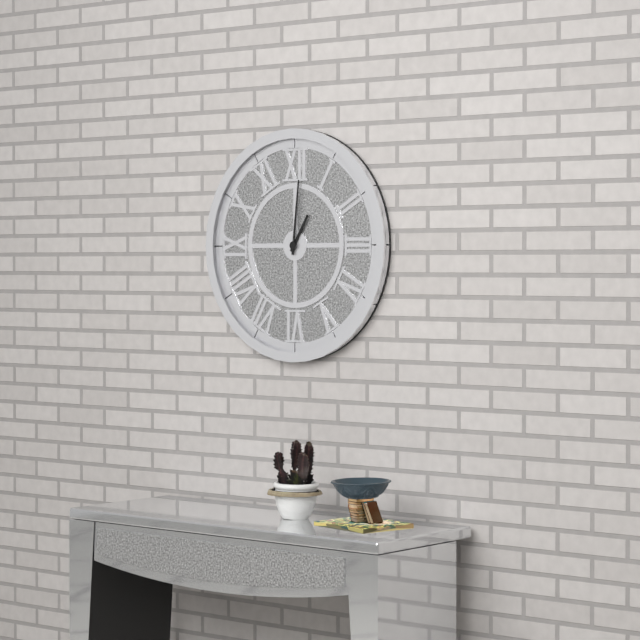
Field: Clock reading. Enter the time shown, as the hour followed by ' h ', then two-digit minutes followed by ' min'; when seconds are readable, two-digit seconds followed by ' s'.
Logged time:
1 h 01 min
